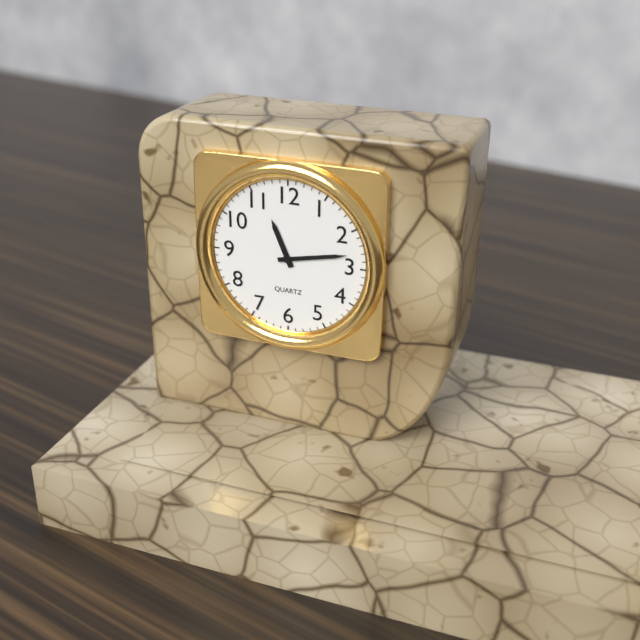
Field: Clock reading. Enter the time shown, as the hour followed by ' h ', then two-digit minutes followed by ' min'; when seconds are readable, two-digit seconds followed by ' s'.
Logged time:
11 h 13 min
